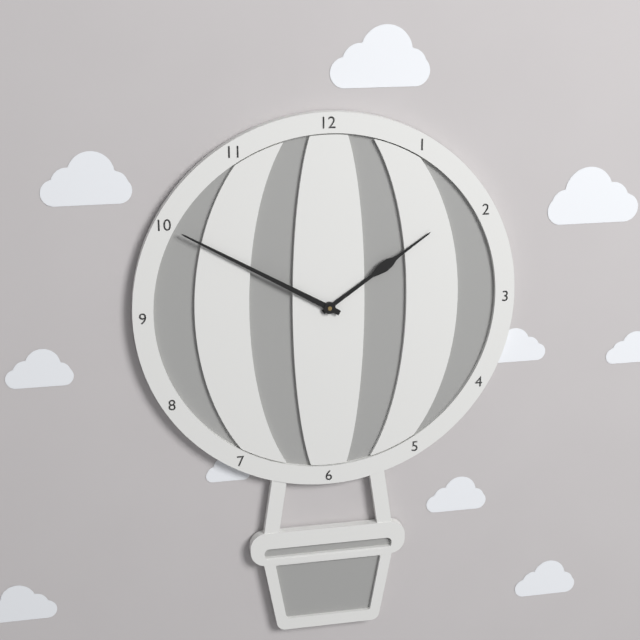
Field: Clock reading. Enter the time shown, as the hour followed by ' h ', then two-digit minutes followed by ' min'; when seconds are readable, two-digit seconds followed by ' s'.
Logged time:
1 h 50 min
